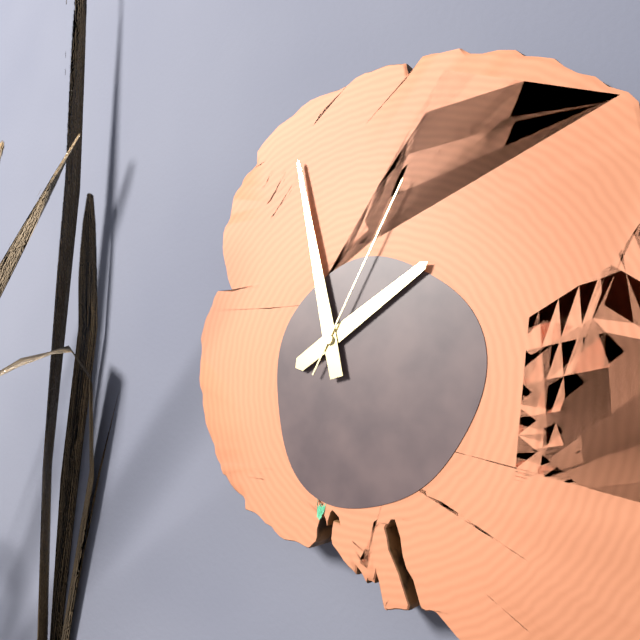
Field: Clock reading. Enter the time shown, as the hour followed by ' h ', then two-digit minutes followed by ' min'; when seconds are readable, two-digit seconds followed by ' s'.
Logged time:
1 h 58 min 05 s
